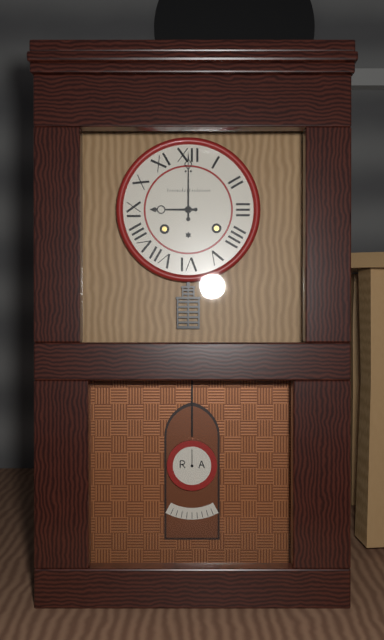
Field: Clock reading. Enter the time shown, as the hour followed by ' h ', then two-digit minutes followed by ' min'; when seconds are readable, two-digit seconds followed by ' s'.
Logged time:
9 h 00 min
